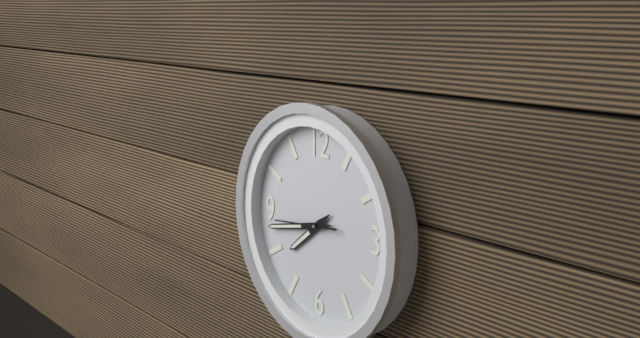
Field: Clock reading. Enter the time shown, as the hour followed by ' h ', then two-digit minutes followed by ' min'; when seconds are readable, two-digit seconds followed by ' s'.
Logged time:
7 h 43 min 44 s
